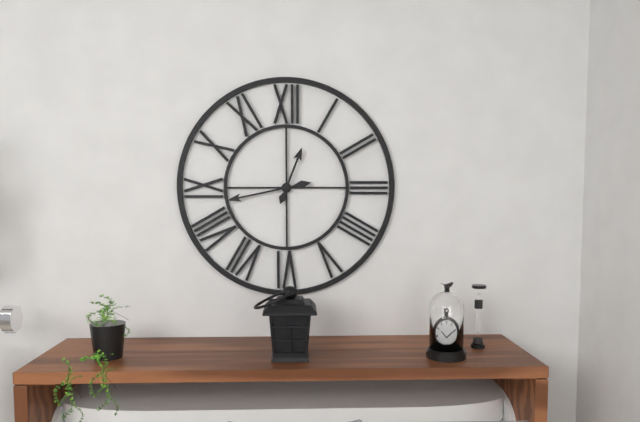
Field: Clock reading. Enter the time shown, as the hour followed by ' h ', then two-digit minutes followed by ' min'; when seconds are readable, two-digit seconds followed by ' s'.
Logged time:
12 h 43 min
